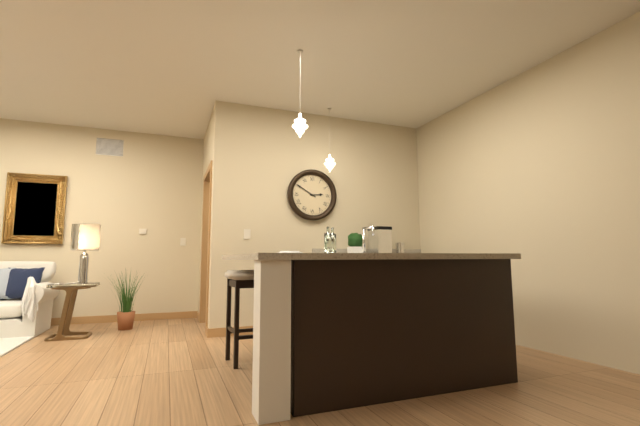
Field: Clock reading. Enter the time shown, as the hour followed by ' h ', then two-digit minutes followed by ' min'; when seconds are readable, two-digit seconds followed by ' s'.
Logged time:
2 h 50 min
